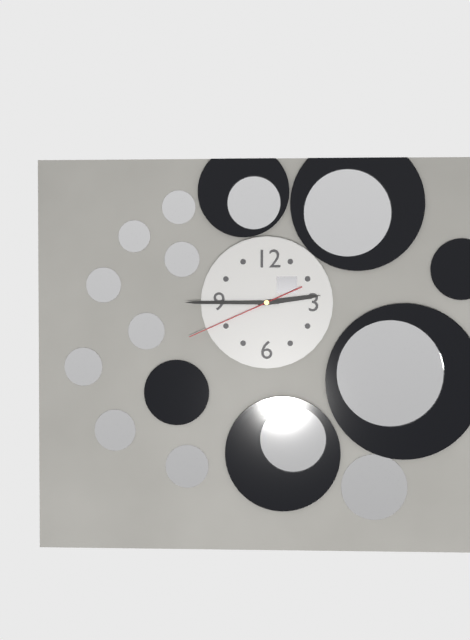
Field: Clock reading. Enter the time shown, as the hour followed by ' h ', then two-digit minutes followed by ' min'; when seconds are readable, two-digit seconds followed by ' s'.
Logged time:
2 h 45 min 41 s
